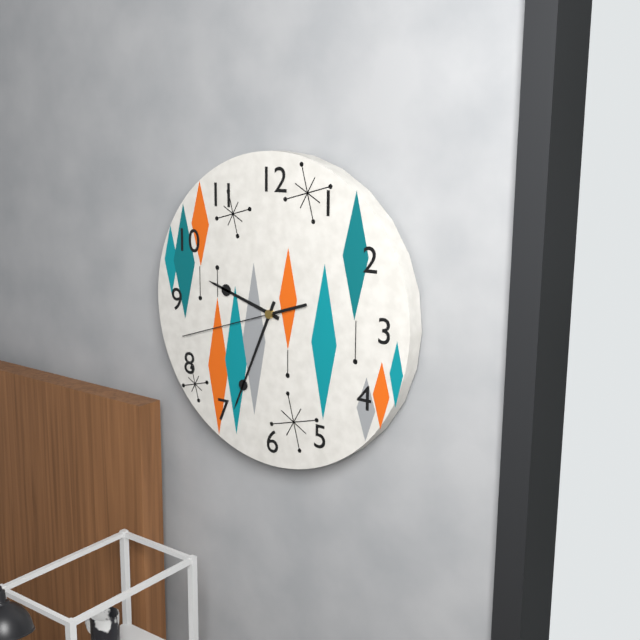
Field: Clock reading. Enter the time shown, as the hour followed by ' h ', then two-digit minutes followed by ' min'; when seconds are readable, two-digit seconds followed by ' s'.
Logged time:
9 h 34 min 42 s
